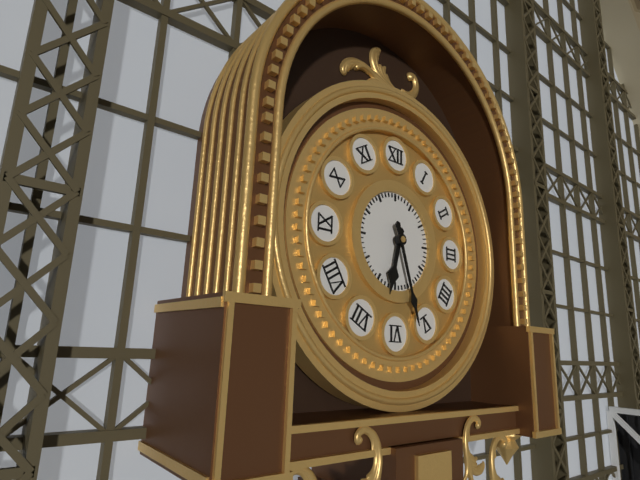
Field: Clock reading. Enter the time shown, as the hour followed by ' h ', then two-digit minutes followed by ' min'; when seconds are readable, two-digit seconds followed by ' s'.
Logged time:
6 h 27 min
